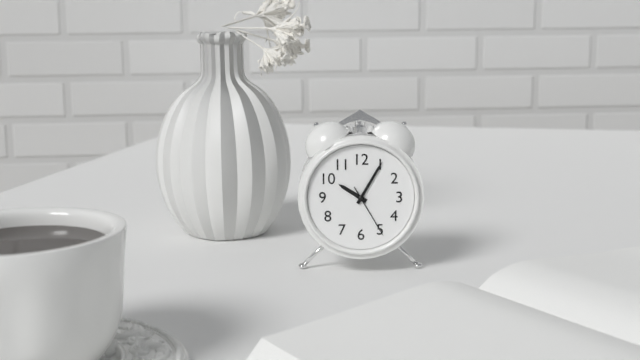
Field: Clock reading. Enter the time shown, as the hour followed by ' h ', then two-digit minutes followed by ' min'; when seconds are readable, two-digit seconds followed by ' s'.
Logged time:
10 h 05 min 25 s
